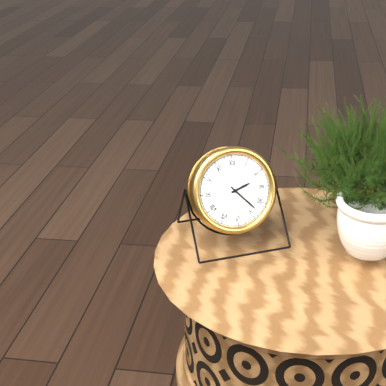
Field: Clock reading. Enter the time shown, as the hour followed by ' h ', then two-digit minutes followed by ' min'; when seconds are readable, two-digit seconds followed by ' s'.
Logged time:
2 h 23 min
